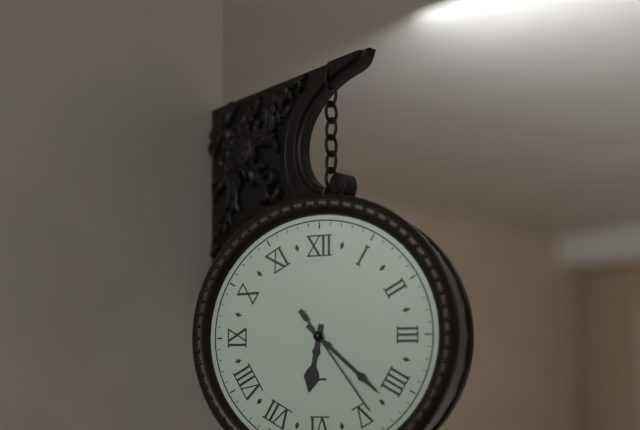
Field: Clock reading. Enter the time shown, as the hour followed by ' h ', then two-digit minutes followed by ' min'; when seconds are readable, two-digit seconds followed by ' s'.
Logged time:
6 h 22 min 24 s
